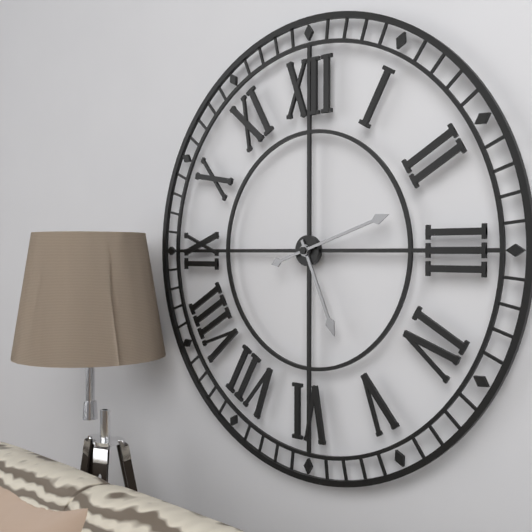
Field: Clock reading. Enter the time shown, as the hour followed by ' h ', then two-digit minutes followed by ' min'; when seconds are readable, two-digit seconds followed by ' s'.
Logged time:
5 h 12 min
